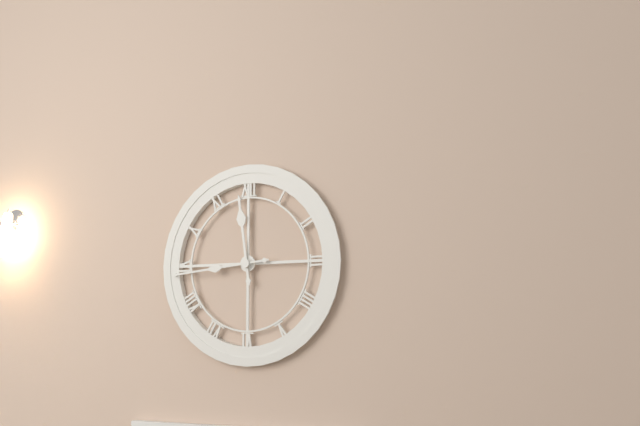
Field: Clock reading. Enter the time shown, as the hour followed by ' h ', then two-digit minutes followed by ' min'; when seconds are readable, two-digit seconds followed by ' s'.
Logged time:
11 h 44 min
